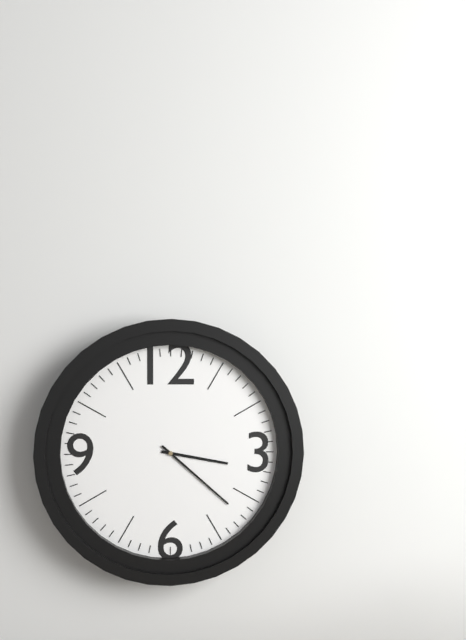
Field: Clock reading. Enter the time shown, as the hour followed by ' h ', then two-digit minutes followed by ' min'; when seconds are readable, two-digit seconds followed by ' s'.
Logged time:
3 h 22 min
